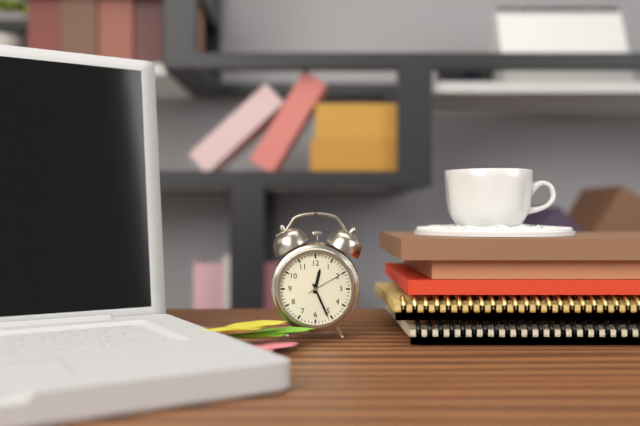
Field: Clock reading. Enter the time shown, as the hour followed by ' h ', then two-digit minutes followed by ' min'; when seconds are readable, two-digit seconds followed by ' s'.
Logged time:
12 h 26 min
